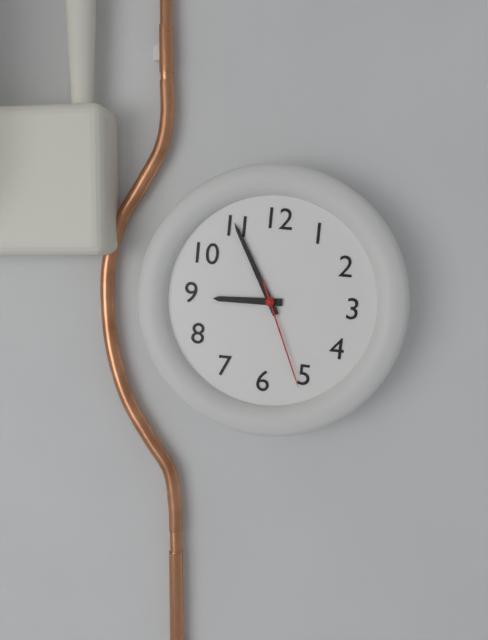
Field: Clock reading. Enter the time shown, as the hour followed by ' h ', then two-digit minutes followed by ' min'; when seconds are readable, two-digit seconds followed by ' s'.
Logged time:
8 h 55 min 26 s
